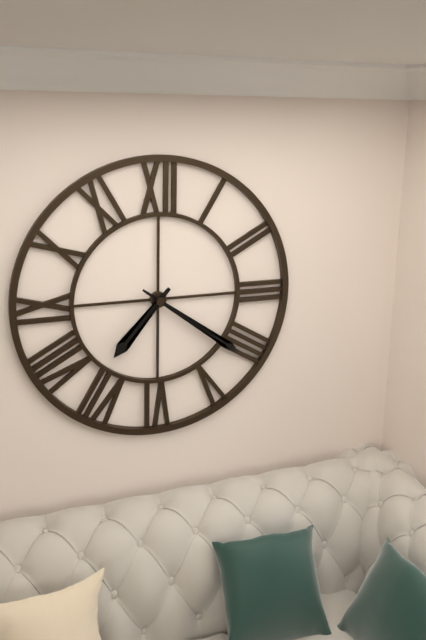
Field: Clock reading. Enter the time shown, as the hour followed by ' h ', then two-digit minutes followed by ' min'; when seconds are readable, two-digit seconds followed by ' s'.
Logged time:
7 h 21 min
